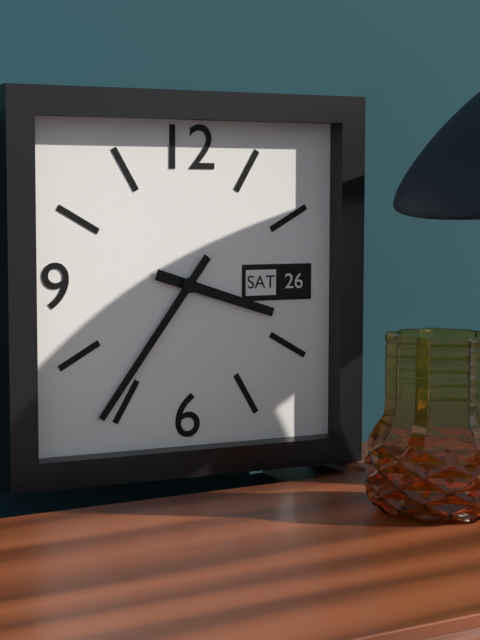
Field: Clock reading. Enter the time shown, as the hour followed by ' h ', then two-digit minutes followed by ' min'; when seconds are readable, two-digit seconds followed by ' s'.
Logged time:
3 h 36 min
